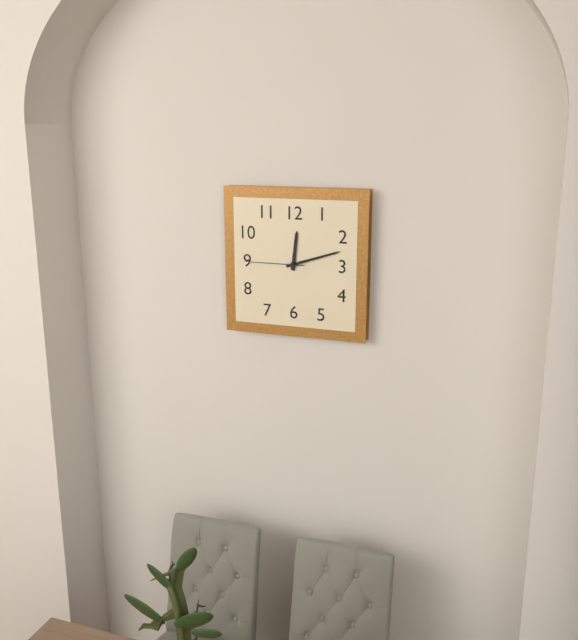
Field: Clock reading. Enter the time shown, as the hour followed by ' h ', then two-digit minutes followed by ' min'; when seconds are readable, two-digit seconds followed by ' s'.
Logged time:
12 h 12 min 45 s
